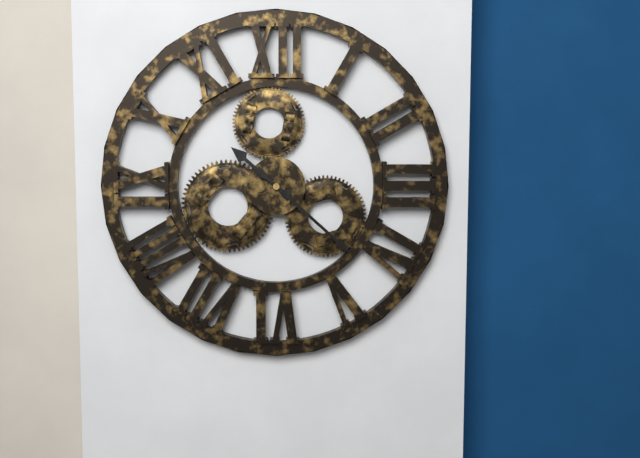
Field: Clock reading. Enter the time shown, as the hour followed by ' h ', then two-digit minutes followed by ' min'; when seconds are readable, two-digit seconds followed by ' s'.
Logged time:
10 h 22 min
